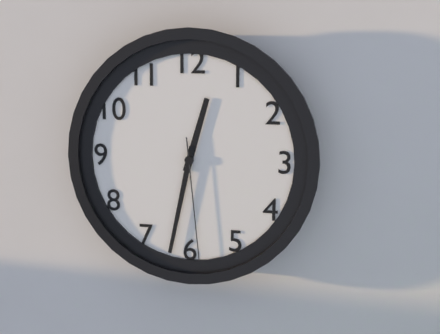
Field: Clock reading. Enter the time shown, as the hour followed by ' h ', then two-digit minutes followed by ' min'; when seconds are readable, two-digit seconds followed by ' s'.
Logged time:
12 h 32 min 29 s
